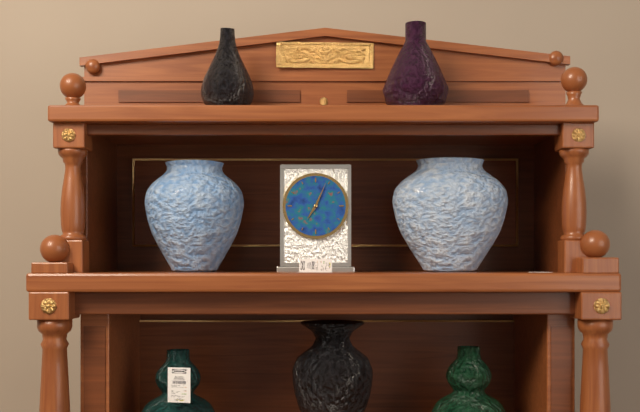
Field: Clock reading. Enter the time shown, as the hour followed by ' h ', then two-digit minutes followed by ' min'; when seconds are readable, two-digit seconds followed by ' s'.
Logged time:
7 h 04 min
